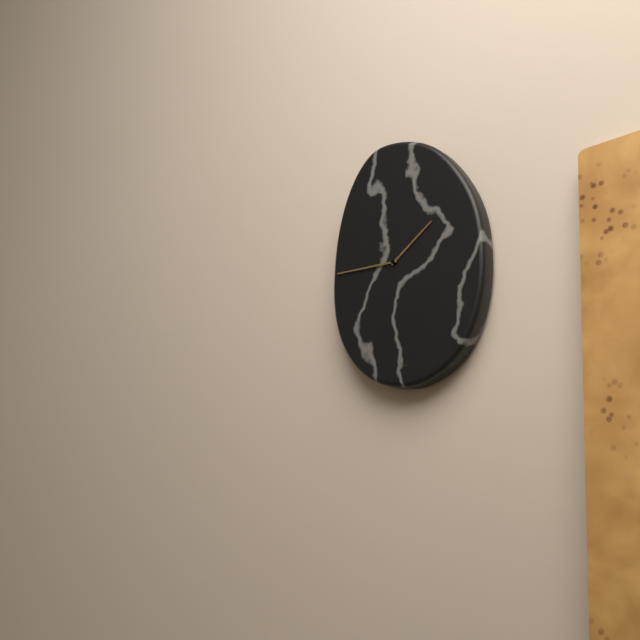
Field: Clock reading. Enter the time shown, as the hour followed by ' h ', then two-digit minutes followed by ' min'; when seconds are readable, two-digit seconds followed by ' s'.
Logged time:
1 h 45 min
